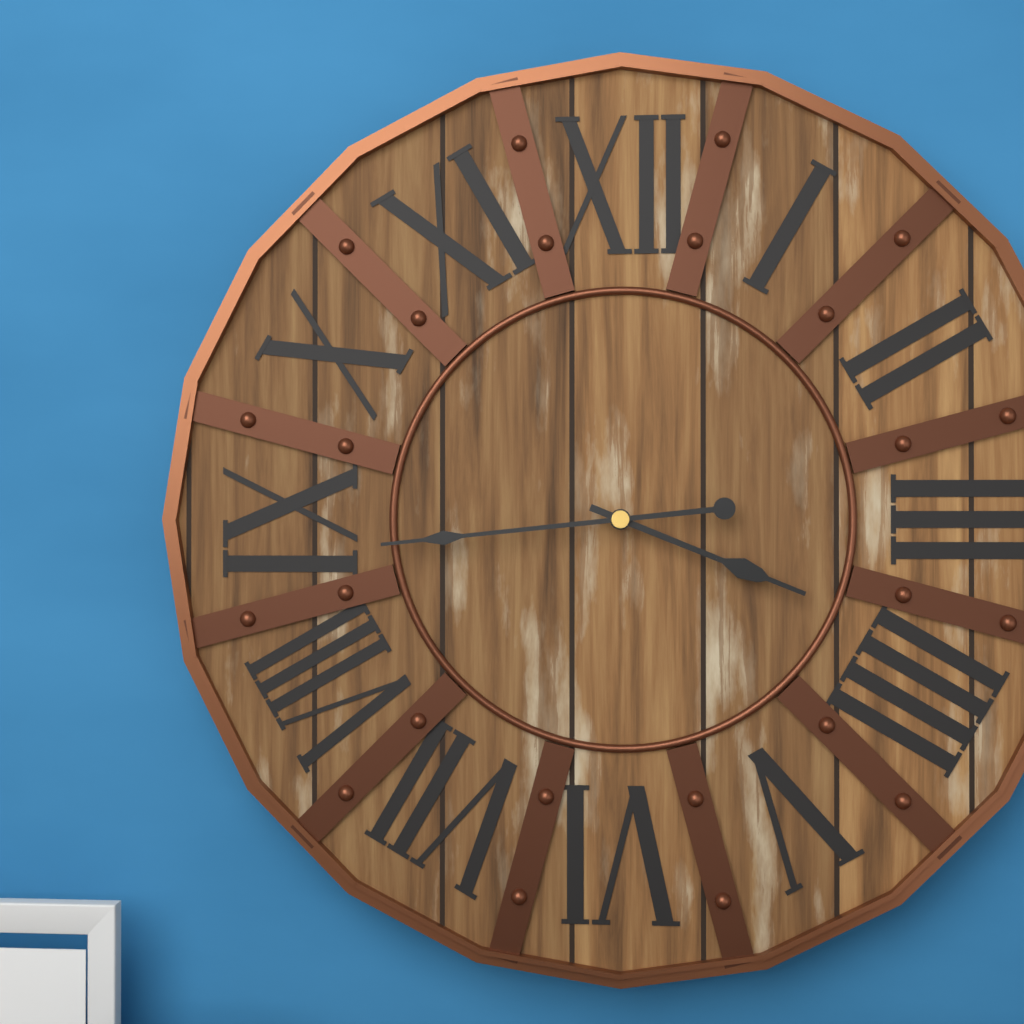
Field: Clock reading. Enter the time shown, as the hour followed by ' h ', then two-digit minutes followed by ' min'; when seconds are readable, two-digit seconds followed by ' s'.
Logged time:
3 h 44 min
